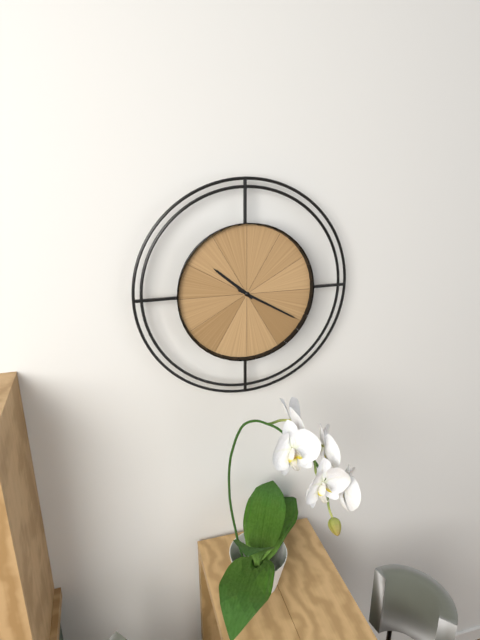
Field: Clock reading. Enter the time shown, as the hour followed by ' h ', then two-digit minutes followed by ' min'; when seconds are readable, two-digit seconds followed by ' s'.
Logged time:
10 h 20 min
